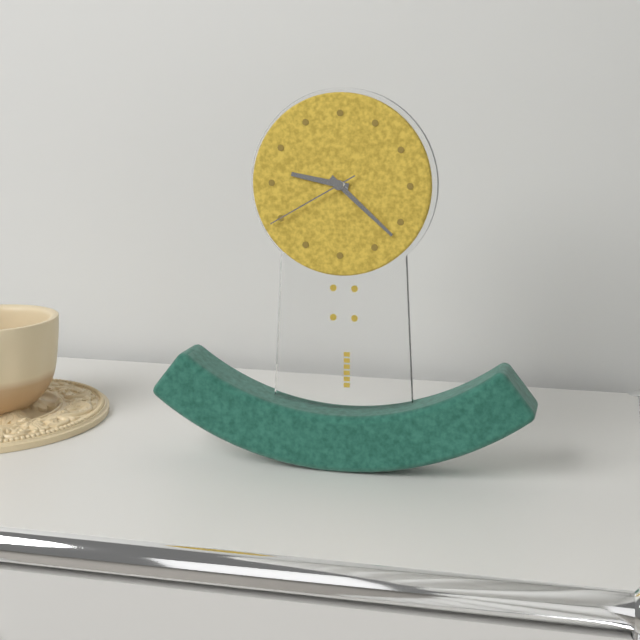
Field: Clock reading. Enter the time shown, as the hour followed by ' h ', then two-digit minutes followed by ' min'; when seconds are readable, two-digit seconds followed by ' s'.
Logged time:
9 h 22 min 40 s
